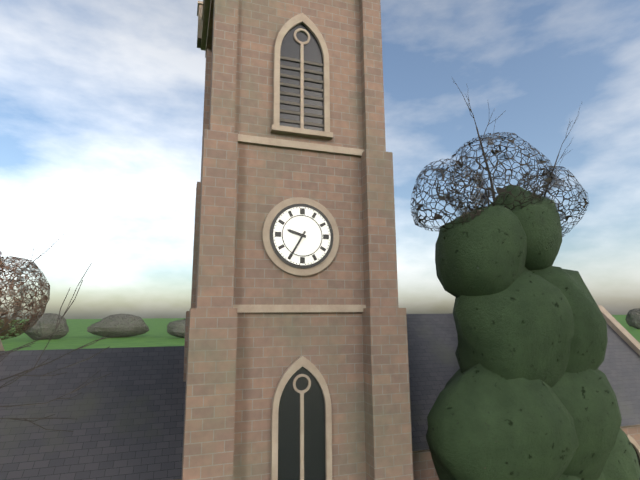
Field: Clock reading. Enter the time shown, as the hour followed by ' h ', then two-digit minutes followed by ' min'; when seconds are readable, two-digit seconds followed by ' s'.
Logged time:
9 h 35 min
